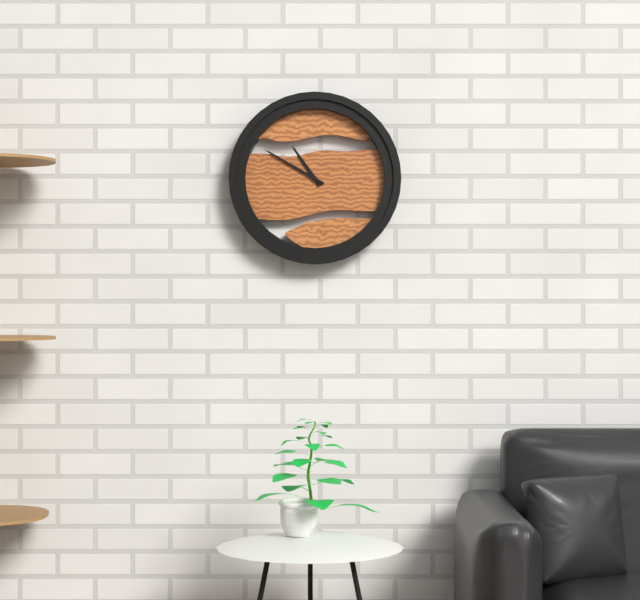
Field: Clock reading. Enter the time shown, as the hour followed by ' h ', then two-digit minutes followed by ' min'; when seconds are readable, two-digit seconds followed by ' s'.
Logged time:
10 h 50 min
